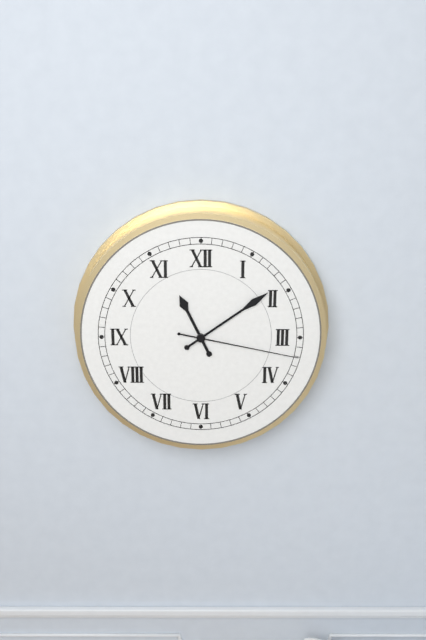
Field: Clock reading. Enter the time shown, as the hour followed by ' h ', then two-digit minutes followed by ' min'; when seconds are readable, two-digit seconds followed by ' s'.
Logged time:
11 h 09 min 17 s
